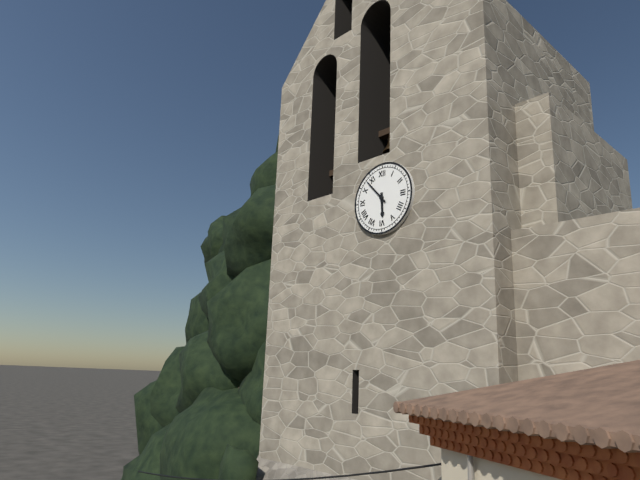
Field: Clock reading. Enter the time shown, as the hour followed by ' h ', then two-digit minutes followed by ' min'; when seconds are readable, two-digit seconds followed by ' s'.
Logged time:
5 h 53 min
